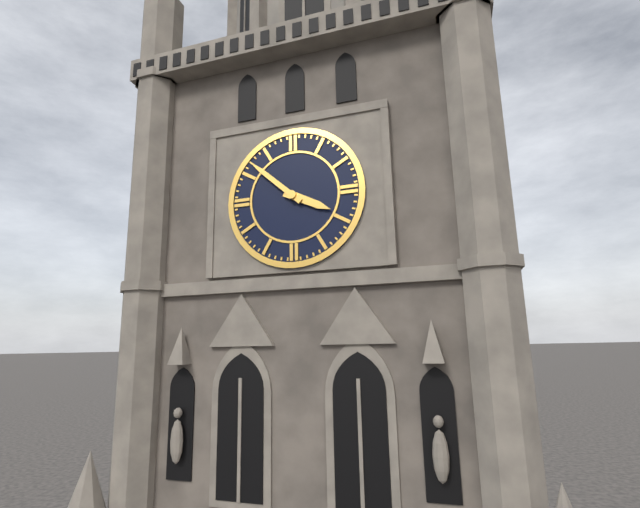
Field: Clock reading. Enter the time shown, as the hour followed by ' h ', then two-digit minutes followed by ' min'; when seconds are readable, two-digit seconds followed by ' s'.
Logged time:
3 h 52 min
